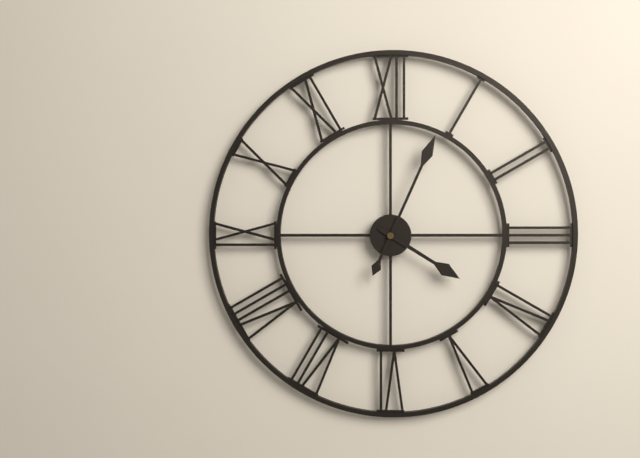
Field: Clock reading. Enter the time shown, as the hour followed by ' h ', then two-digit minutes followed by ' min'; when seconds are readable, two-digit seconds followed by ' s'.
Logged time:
4 h 04 min
